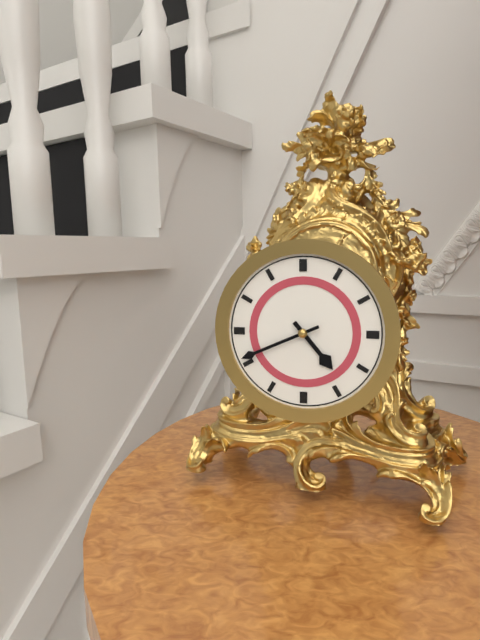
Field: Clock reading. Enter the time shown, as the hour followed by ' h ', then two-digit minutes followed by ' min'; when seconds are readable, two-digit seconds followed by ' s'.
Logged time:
4 h 41 min
